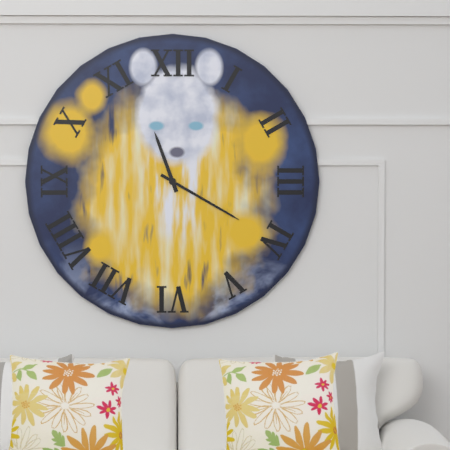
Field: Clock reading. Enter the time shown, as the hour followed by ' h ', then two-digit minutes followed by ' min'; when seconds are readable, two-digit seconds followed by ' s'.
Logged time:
11 h 20 min
